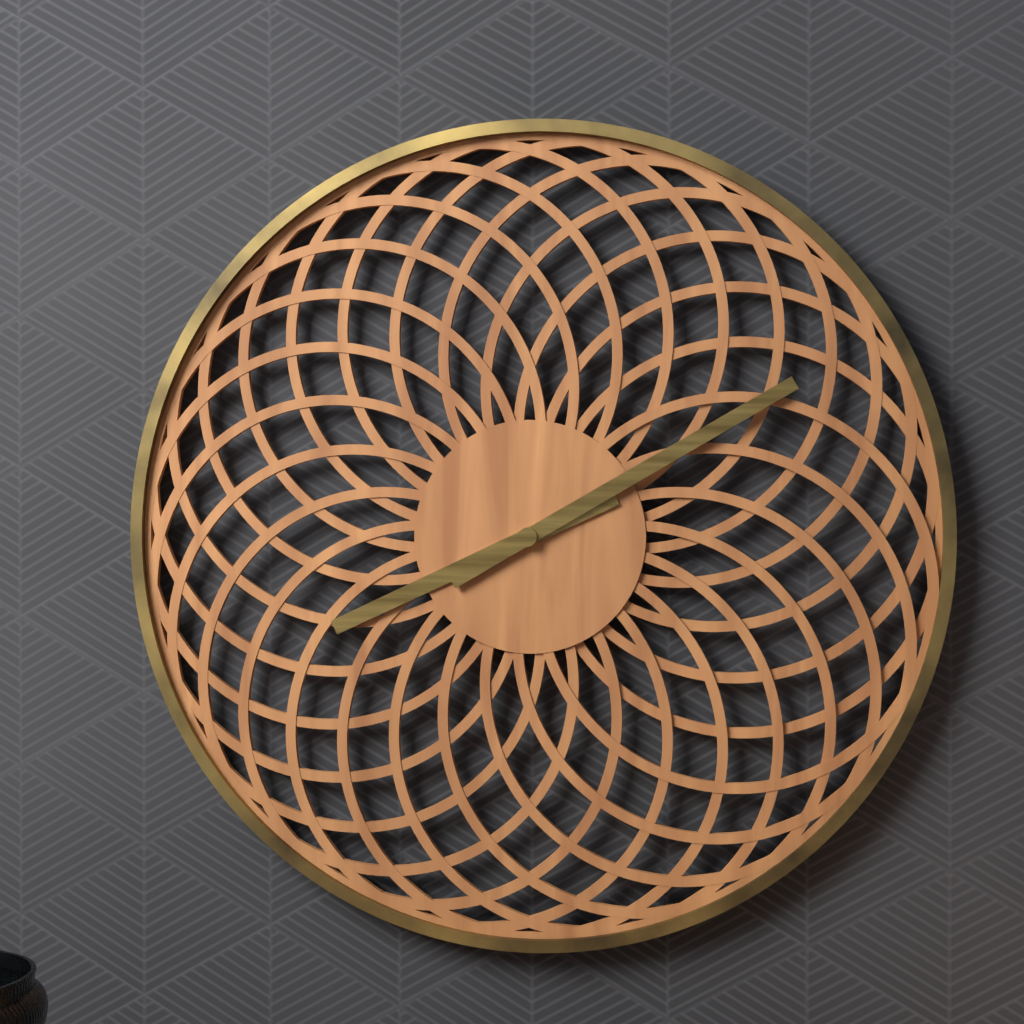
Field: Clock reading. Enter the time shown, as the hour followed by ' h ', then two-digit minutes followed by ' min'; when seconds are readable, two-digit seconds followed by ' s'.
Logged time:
8 h 10 min
